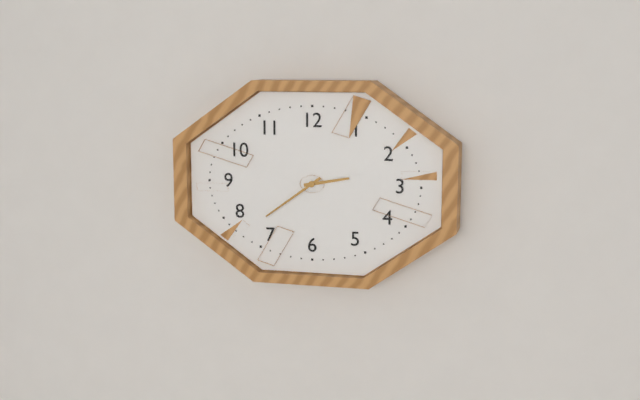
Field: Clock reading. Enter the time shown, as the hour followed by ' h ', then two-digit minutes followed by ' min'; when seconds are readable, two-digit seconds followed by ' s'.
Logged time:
2 h 39 min
